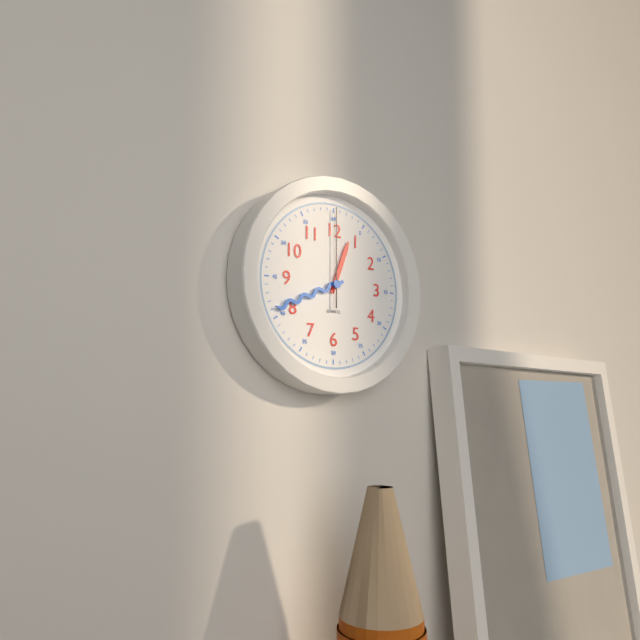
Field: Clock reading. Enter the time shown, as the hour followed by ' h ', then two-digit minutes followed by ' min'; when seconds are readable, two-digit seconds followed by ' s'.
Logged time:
12 h 41 min 00 s
